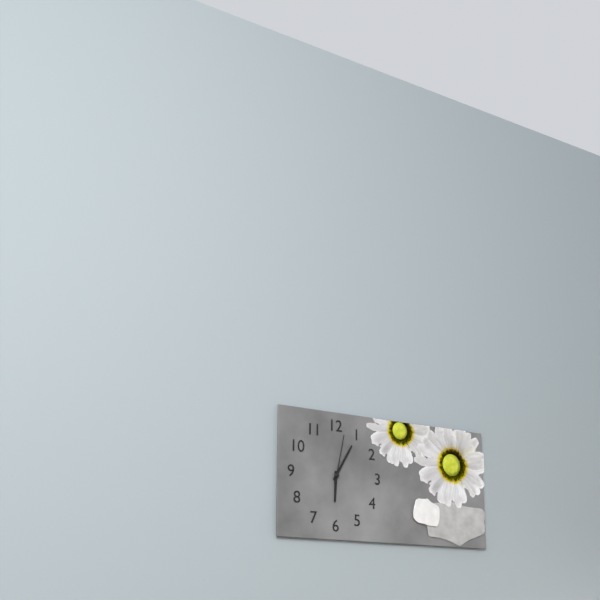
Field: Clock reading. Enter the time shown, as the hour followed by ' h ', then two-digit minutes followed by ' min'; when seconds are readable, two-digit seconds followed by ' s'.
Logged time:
6 h 05 min 02 s
